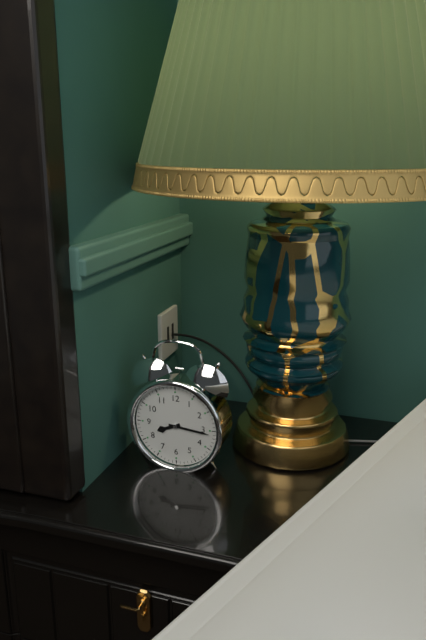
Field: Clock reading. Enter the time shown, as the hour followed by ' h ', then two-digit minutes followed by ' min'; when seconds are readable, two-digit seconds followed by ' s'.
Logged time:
8 h 16 min
